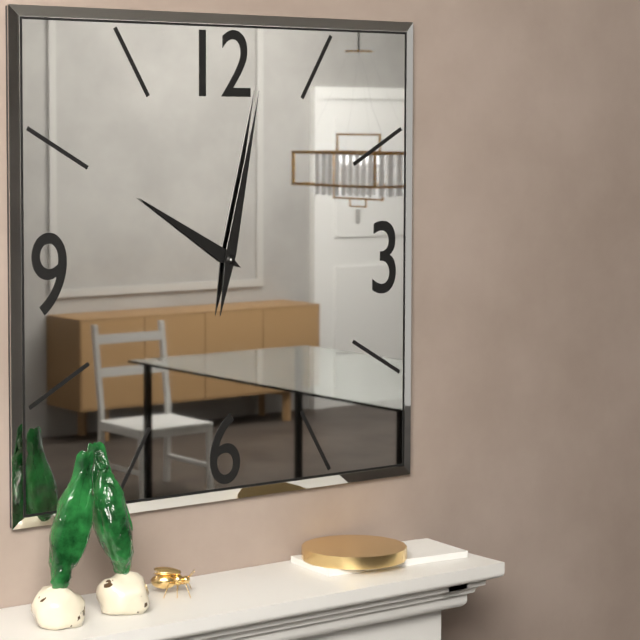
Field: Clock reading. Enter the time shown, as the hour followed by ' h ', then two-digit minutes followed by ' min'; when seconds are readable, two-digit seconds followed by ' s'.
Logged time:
10 h 02 min
